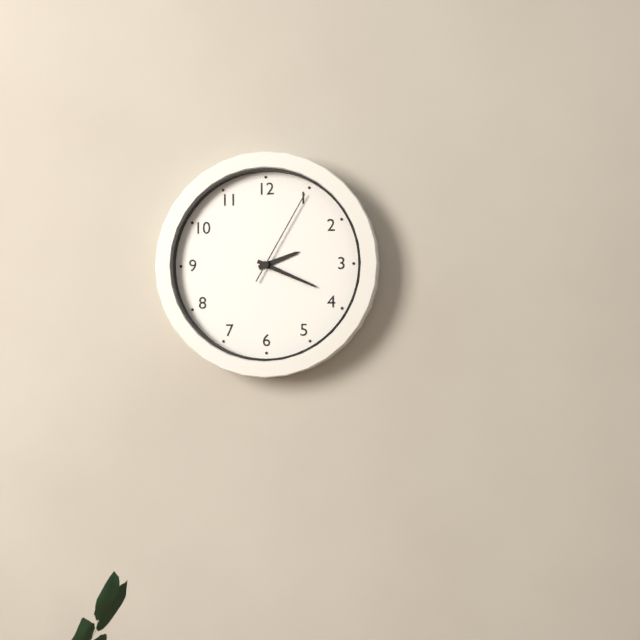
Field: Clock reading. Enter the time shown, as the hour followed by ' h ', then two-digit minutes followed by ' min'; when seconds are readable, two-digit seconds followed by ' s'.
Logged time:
2 h 19 min 05 s
